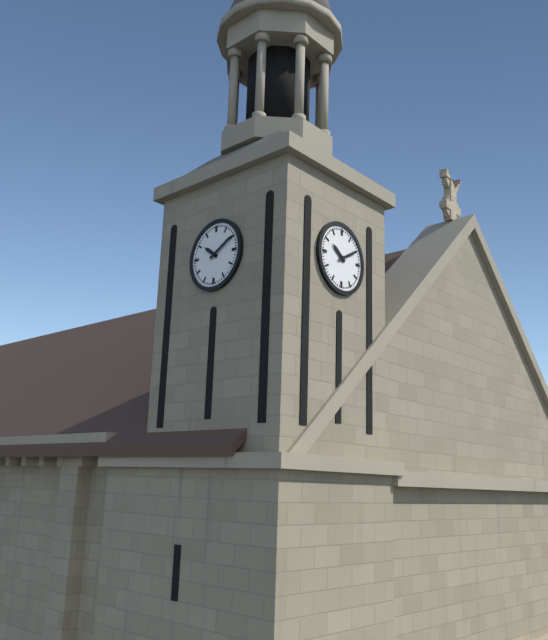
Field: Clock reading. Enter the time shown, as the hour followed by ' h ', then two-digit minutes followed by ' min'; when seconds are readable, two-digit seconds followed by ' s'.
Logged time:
10 h 10 min
